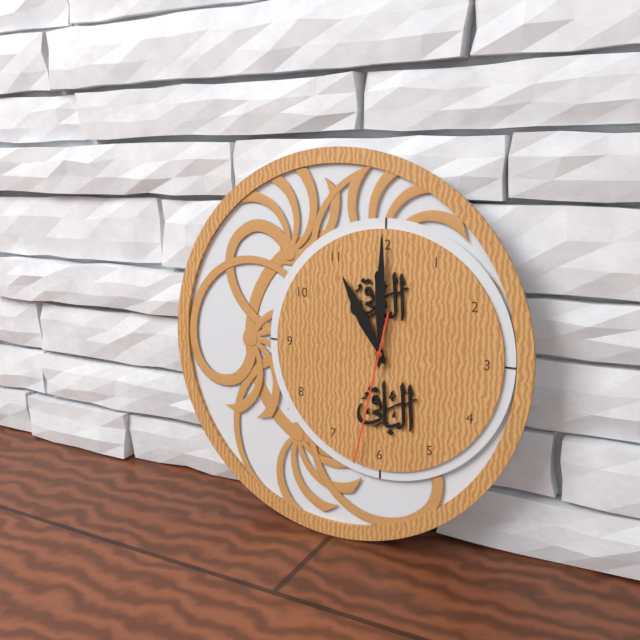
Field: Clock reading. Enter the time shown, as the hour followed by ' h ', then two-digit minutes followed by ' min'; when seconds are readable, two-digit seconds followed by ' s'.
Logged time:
11 h 00 min 32 s
